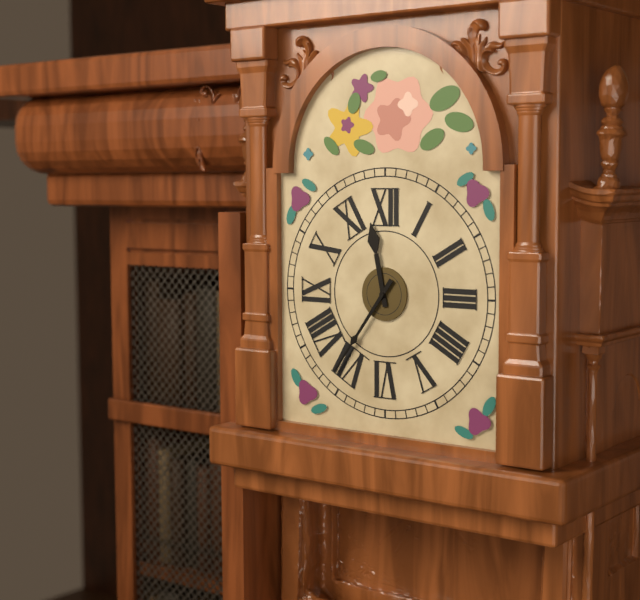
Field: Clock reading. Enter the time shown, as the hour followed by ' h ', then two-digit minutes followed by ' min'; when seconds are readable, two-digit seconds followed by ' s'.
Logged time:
11 h 36 min
